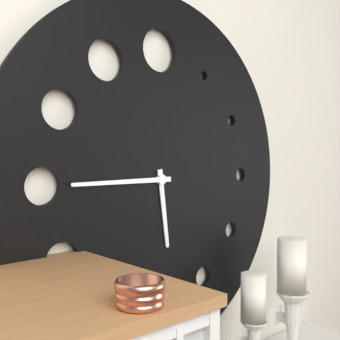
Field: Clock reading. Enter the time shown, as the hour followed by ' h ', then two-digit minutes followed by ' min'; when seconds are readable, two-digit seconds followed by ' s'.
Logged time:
5 h 45 min
